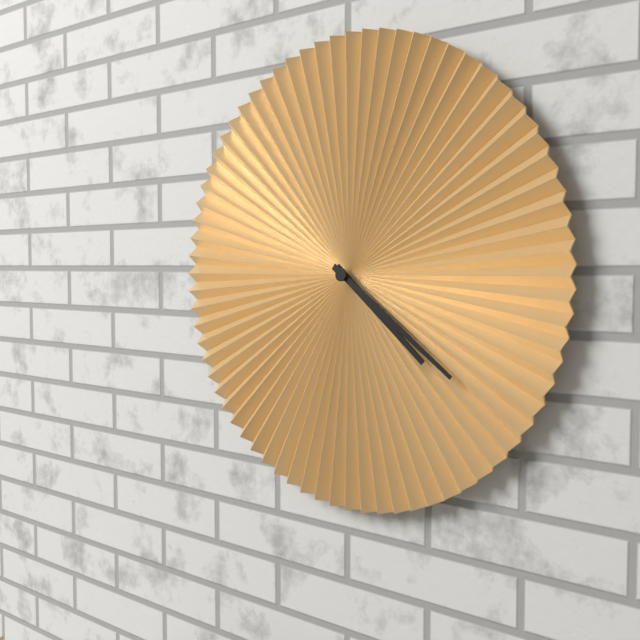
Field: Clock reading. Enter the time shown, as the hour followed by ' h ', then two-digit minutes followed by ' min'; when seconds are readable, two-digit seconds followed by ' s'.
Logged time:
4 h 21 min
